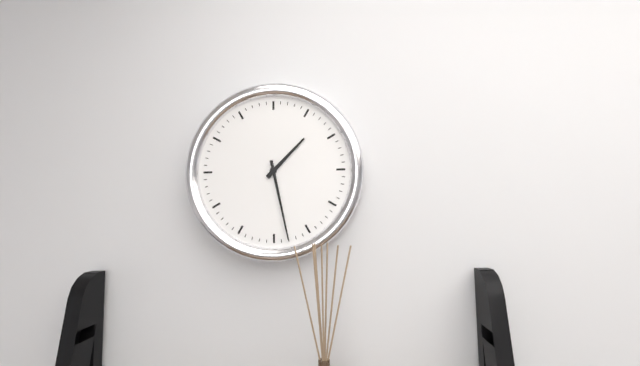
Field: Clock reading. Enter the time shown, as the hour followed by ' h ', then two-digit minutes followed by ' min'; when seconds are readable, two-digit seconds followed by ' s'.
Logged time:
1 h 28 min
